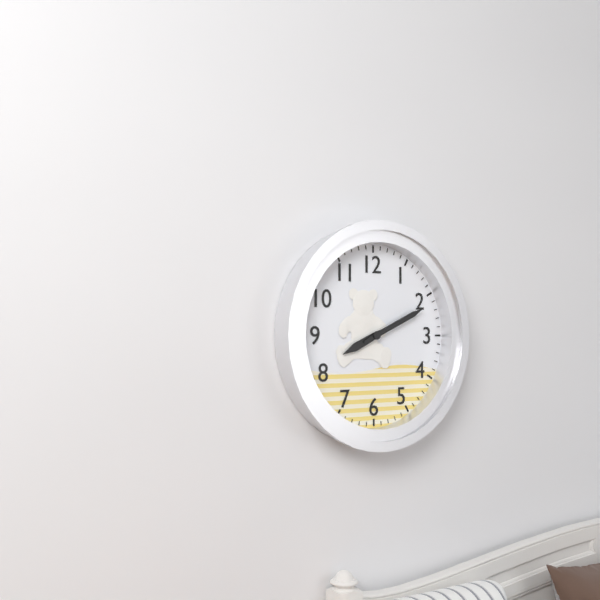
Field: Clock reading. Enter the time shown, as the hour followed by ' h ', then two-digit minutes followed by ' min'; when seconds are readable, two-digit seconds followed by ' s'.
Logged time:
8 h 11 min
